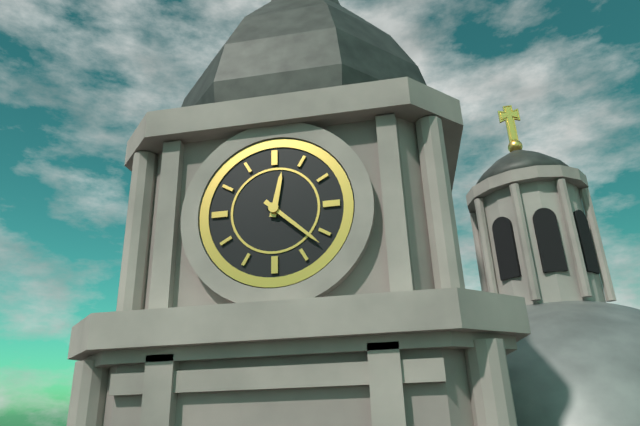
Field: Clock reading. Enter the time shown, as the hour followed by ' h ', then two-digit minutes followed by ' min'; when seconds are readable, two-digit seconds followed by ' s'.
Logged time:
12 h 22 min
